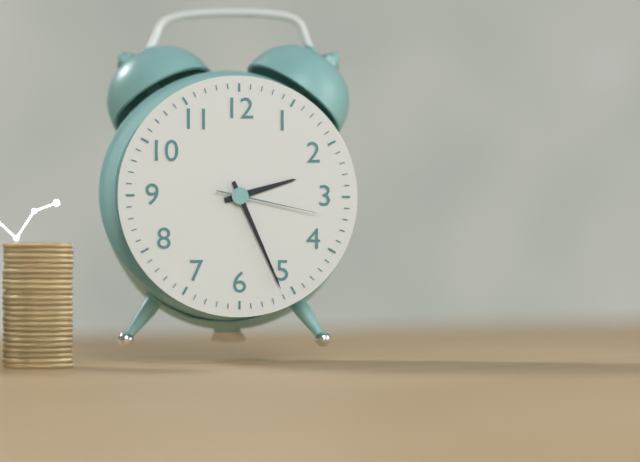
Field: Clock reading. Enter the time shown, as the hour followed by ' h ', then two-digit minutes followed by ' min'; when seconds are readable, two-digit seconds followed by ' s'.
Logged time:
2 h 26 min 17 s
